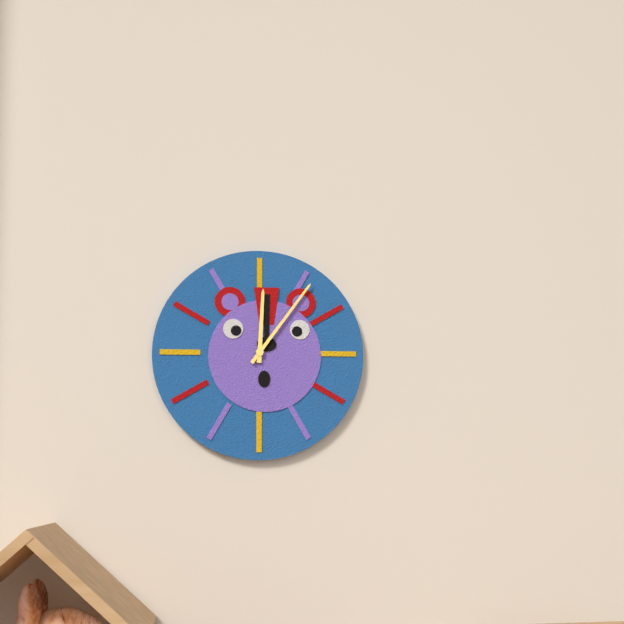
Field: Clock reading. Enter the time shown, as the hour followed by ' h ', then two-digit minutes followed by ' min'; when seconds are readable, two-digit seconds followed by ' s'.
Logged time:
12 h 06 min
